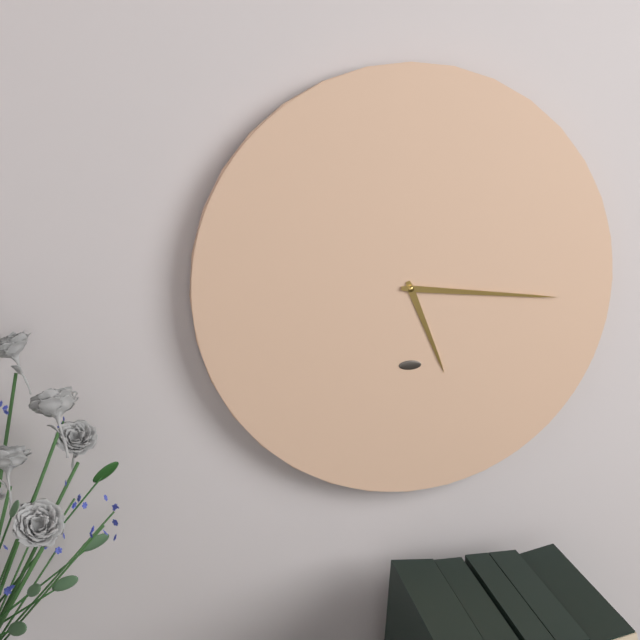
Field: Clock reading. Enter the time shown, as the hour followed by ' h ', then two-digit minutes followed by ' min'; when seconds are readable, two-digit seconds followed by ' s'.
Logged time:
5 h 16 min
